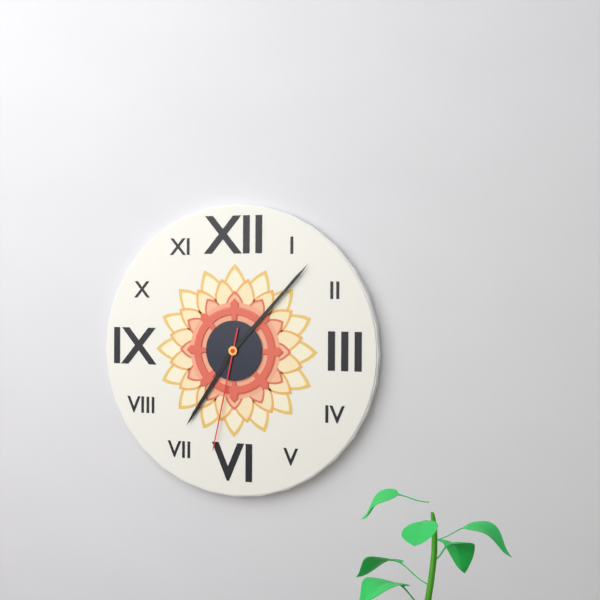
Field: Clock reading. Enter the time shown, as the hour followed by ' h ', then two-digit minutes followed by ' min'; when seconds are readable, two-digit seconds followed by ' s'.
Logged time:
7 h 07 min 32 s
